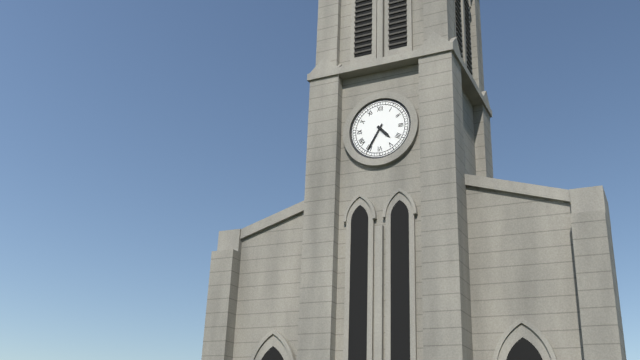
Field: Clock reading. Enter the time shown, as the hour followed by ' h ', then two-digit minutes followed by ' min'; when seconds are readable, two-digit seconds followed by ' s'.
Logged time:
4 h 35 min
